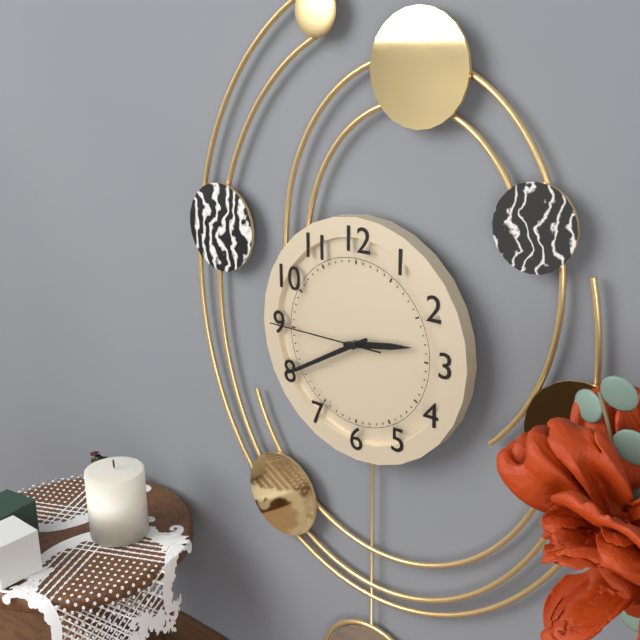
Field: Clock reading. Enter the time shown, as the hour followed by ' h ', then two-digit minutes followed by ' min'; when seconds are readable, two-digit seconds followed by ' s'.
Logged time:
2 h 40 min 45 s
